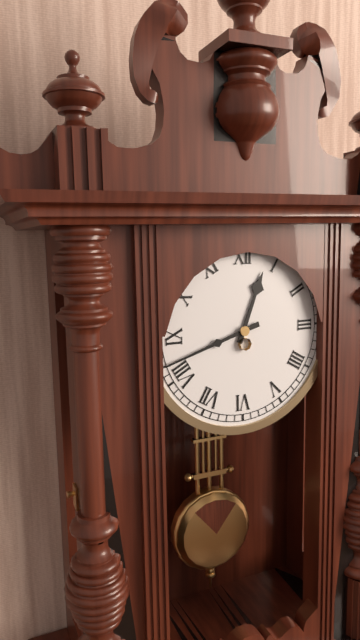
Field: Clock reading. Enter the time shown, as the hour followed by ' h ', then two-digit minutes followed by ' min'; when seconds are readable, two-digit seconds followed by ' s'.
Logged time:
12 h 42 min
